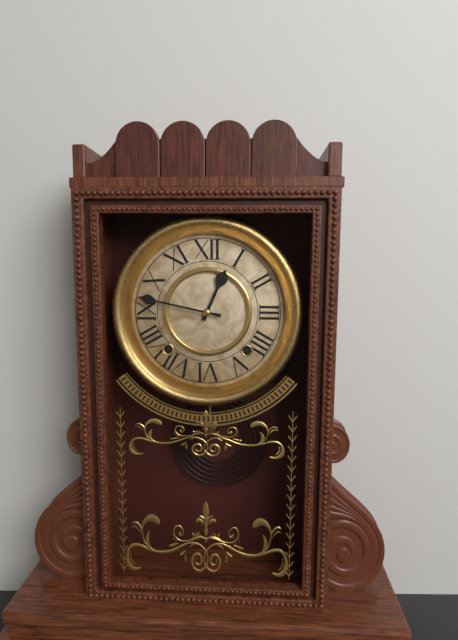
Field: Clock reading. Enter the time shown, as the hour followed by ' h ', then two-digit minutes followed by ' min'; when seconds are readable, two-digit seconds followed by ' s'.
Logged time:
12 h 47 min
